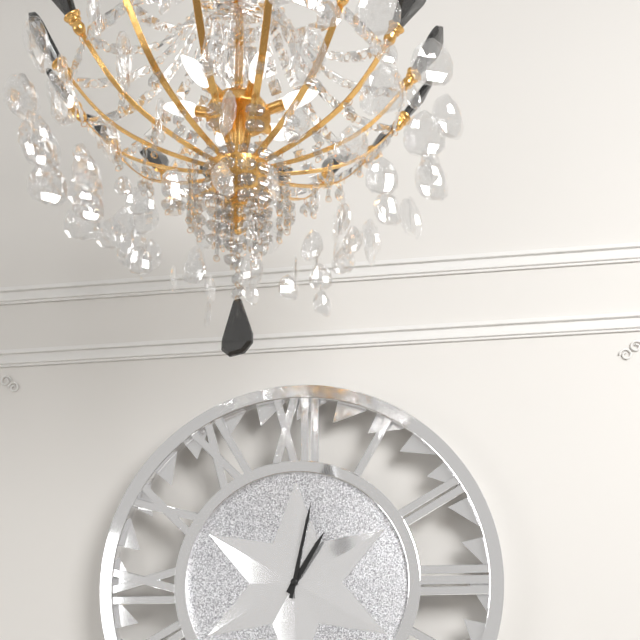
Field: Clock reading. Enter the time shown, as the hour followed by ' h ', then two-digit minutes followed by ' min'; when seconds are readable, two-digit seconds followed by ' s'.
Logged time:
1 h 02 min
